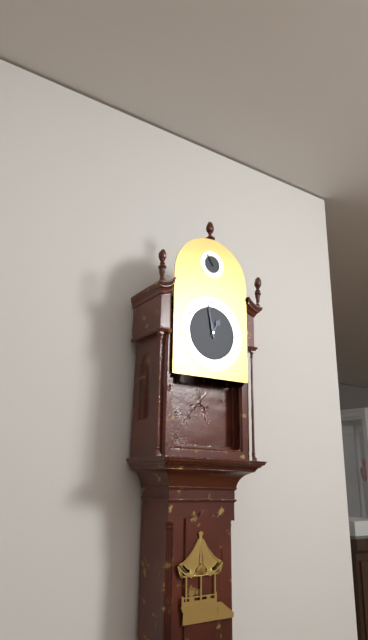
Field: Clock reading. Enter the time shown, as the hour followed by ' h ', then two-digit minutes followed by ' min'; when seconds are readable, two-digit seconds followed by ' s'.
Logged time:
12 h 58 min
